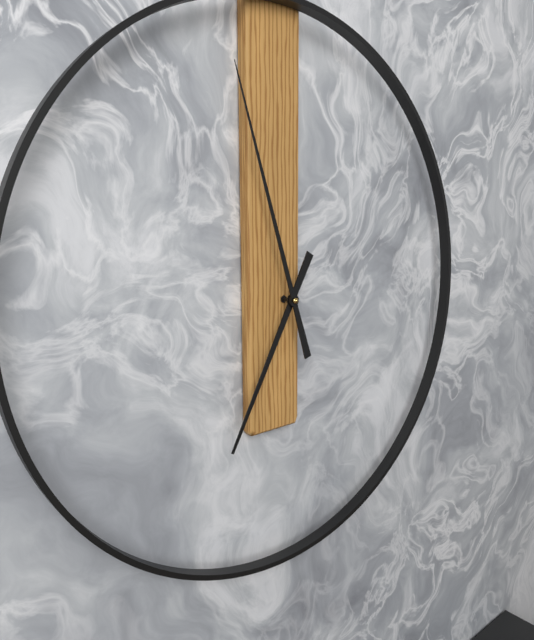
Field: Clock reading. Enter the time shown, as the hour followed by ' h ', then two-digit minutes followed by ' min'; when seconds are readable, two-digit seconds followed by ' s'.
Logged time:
6 h 57 min
